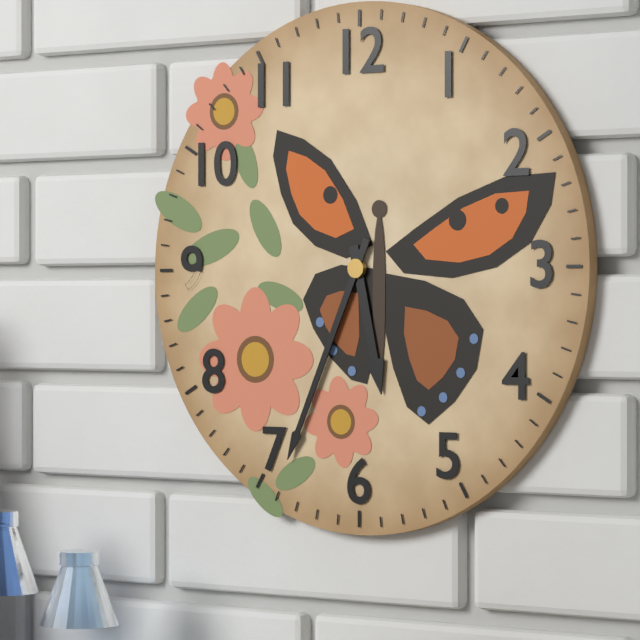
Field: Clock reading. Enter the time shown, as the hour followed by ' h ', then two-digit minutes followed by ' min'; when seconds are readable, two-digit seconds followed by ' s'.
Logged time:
5 h 34 min
